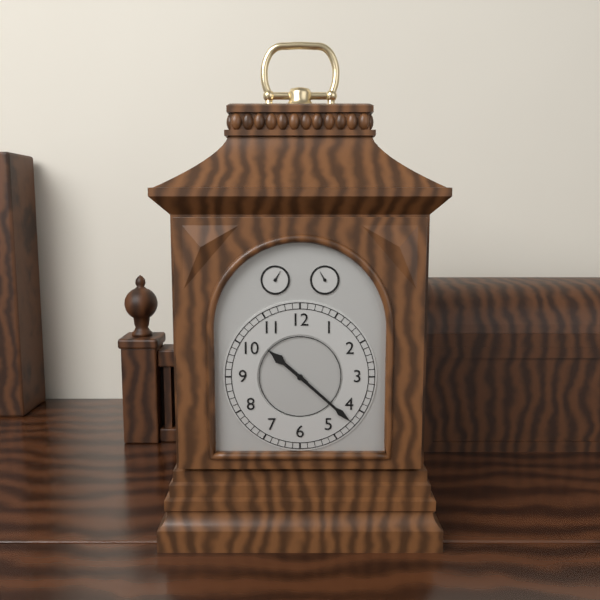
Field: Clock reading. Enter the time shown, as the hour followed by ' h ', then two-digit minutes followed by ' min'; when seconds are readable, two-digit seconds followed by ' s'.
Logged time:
10 h 22 min
